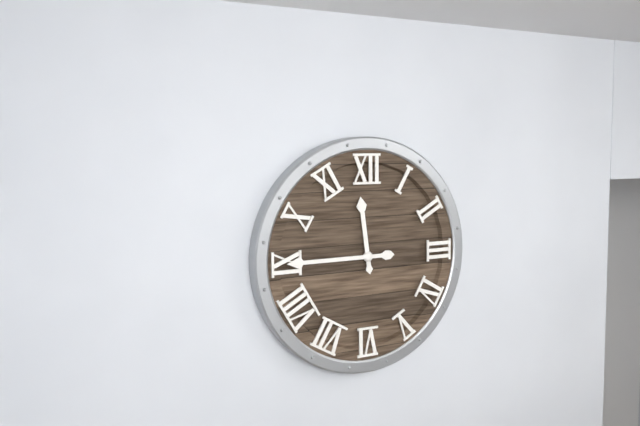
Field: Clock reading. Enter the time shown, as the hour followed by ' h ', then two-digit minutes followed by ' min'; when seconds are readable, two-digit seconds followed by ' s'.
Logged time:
11 h 45 min
